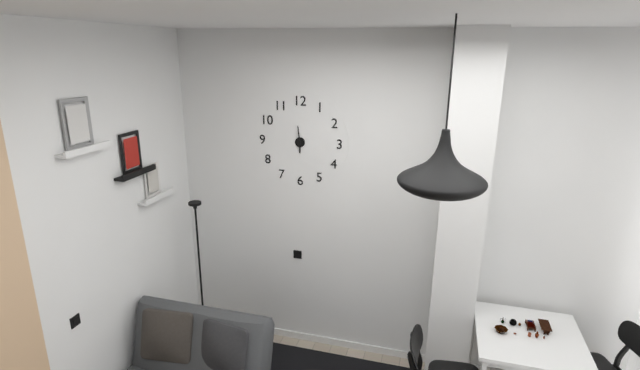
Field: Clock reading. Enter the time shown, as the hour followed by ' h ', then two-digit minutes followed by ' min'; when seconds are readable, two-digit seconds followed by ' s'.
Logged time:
5 h 59 min
